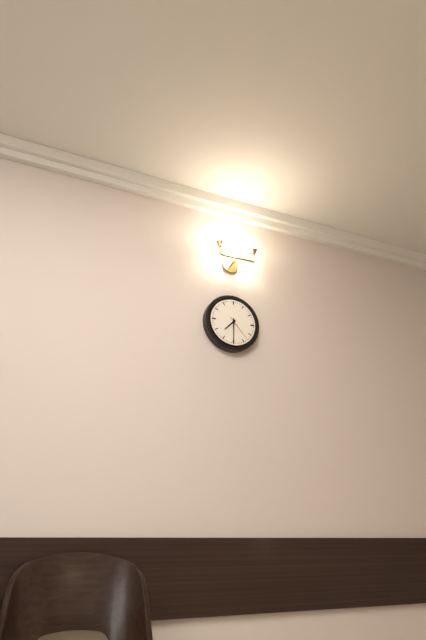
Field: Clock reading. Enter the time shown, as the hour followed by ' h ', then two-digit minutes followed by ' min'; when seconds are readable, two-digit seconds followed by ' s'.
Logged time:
7 h 30 min
